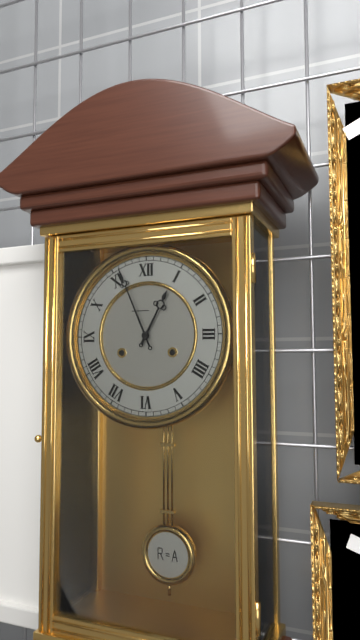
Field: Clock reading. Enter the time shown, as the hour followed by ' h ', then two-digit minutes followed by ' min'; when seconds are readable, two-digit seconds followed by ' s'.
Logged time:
12 h 56 min
